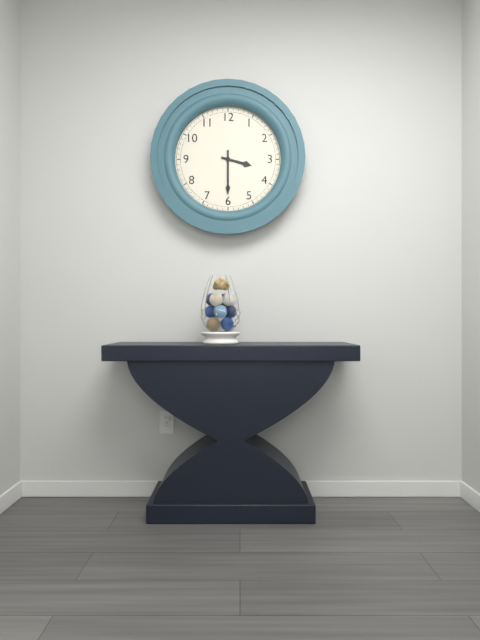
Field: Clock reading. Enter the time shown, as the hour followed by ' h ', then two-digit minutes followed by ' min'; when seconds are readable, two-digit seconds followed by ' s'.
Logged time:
3 h 30 min
